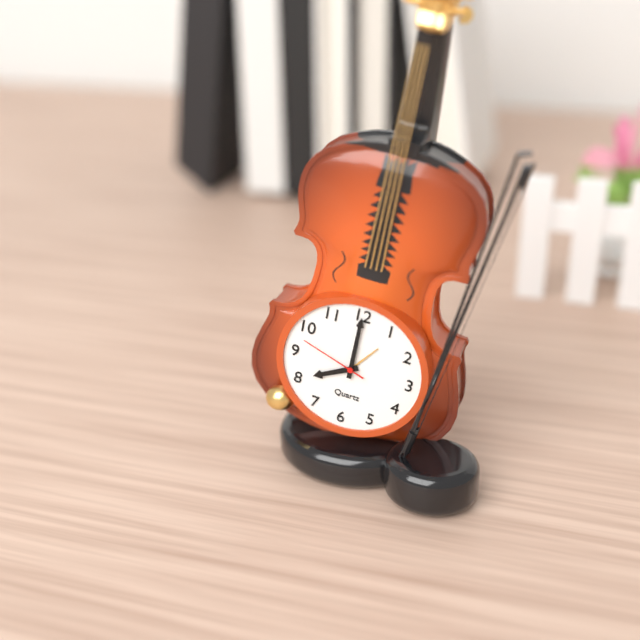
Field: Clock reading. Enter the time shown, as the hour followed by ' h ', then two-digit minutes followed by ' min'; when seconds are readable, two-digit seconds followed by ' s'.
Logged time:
8 h 00 min 48 s
